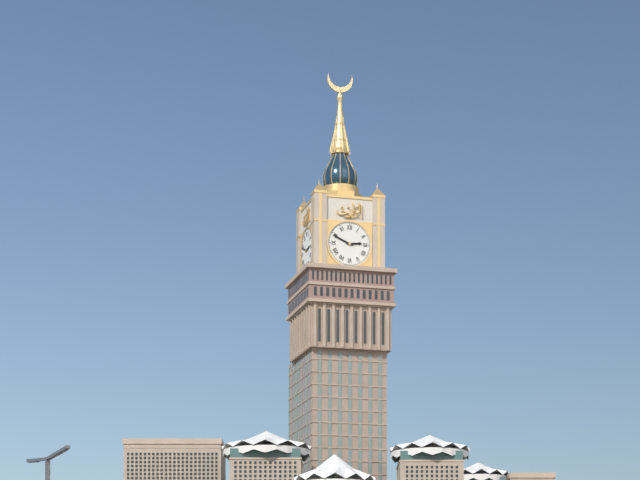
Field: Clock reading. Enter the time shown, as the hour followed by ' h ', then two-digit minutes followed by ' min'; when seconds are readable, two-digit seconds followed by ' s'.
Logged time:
2 h 49 min
